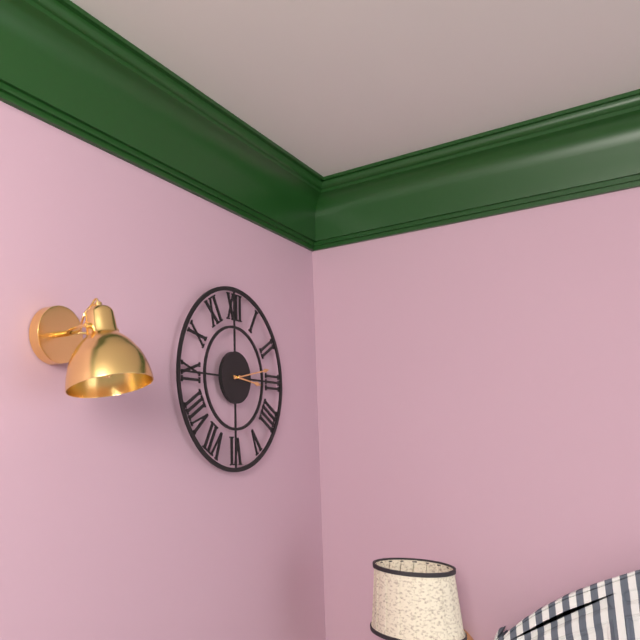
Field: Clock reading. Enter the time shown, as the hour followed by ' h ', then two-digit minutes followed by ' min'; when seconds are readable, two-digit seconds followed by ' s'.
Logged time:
3 h 13 min
